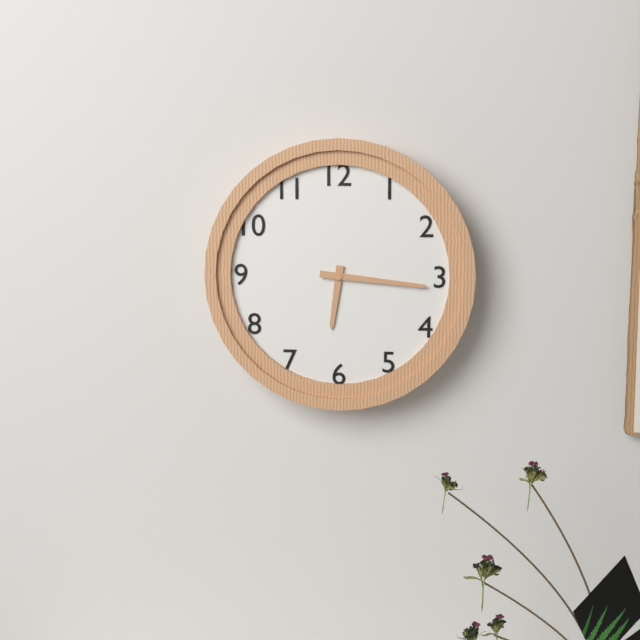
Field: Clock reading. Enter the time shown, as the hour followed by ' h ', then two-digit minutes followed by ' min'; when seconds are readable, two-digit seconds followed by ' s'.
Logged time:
6 h 16 min
